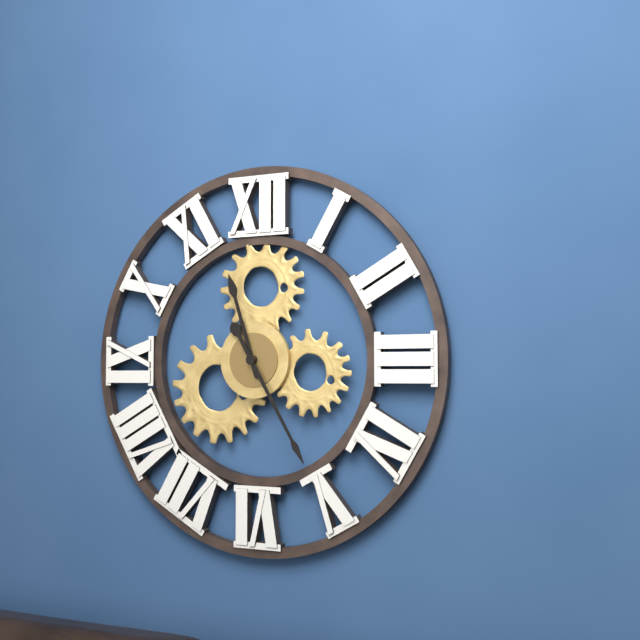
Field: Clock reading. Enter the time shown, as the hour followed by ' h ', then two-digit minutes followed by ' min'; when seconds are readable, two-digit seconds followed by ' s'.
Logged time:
11 h 25 min
